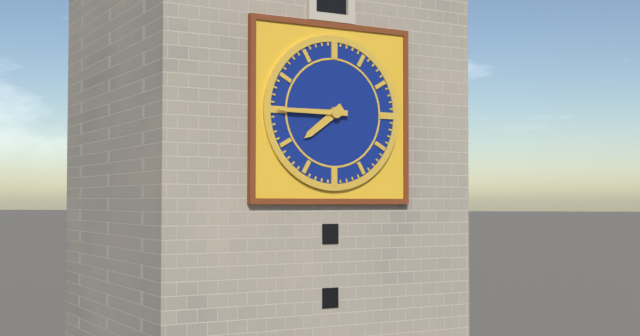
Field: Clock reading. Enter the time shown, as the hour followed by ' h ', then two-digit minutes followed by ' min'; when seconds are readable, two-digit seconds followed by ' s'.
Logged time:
7 h 45 min
